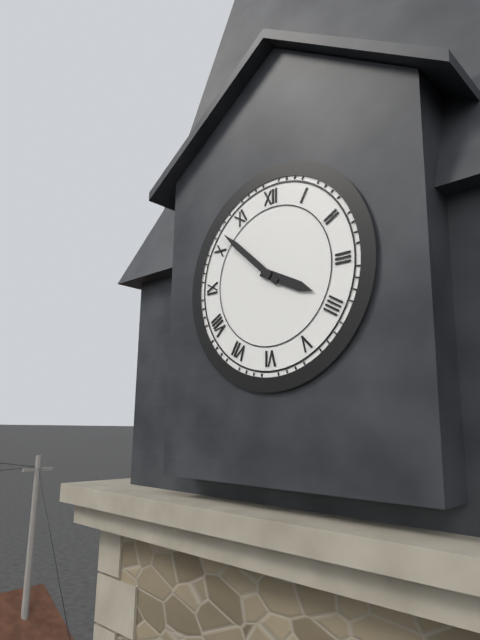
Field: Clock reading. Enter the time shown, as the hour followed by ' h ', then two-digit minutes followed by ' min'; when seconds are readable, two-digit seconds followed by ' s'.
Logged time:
3 h 52 min
